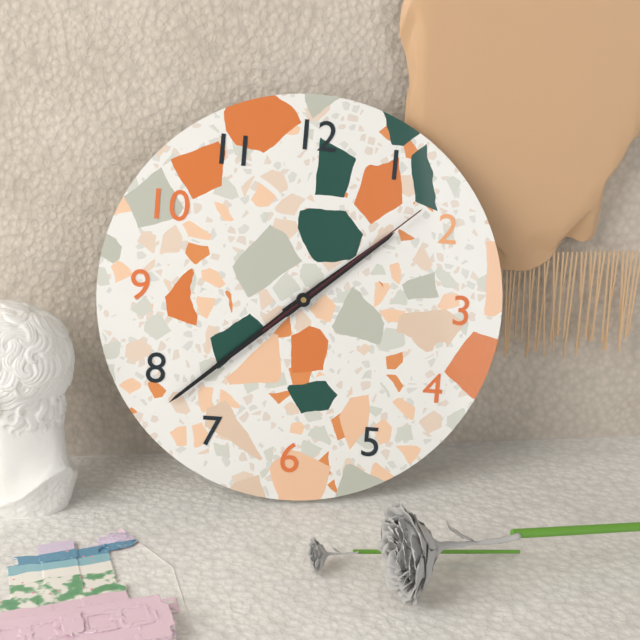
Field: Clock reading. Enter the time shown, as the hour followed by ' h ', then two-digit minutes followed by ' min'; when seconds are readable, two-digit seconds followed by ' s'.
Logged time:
1 h 38 min 08 s
